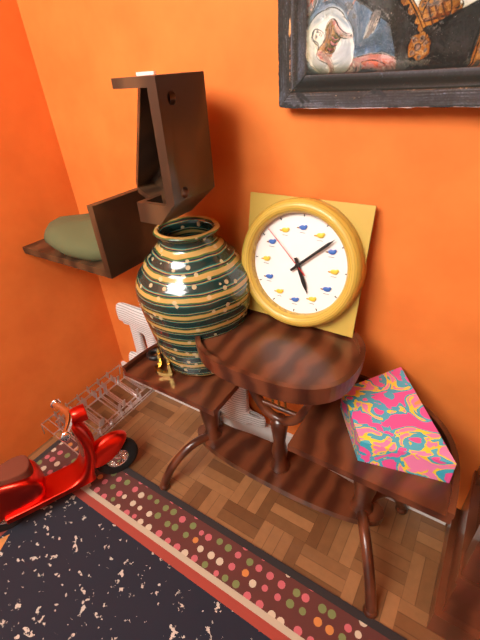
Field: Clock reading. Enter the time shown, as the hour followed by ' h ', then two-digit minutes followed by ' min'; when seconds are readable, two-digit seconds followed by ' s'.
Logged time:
5 h 08 min 52 s
